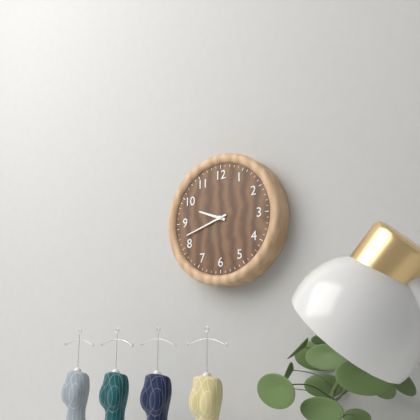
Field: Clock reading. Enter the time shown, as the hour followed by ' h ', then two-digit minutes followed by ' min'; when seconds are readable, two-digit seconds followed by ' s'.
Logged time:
9 h 42 min
